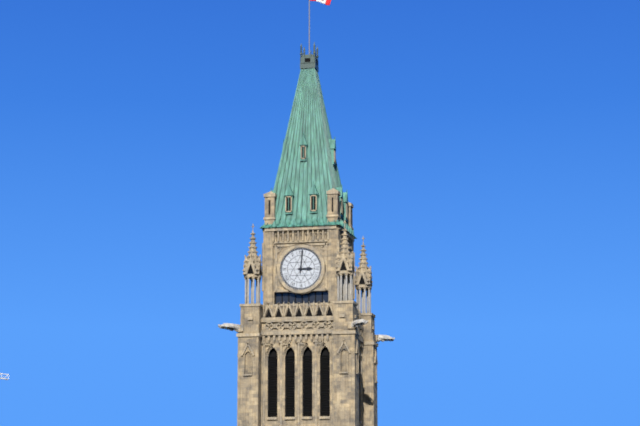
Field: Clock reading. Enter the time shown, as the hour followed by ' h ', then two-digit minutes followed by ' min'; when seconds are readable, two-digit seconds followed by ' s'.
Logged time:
3 h 01 min
